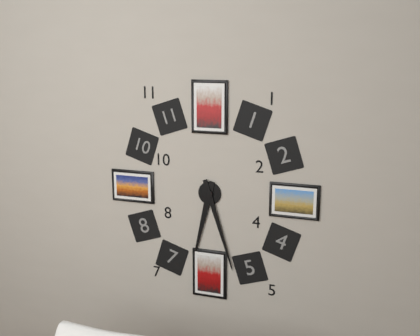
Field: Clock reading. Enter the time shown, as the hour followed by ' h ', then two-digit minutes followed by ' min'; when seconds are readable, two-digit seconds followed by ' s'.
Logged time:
6 h 27 min
